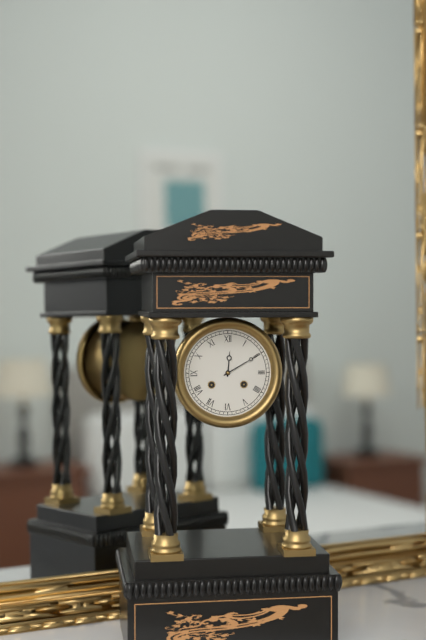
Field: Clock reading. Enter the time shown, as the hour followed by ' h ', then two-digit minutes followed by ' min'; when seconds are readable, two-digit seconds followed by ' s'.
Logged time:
12 h 10 min
